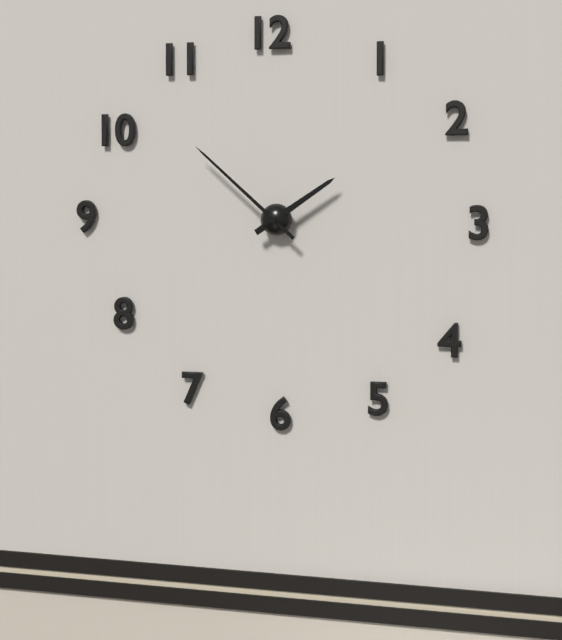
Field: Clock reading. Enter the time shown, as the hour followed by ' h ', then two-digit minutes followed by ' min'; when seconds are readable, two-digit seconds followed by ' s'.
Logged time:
1 h 52 min
